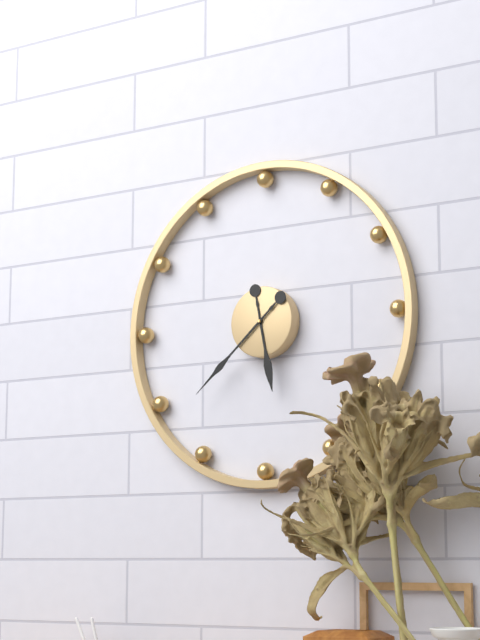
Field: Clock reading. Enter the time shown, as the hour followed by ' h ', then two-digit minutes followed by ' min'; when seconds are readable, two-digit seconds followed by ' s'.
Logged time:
5 h 38 min
